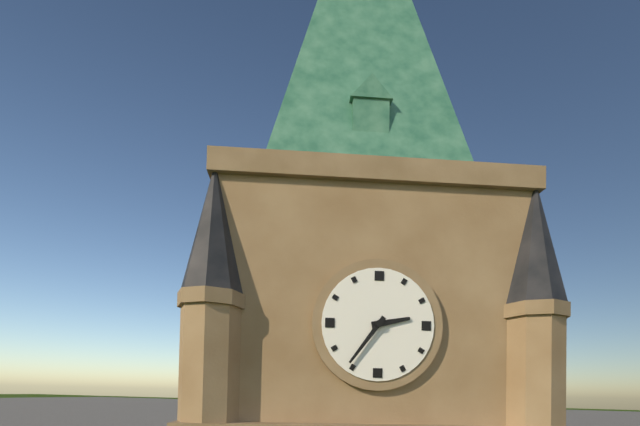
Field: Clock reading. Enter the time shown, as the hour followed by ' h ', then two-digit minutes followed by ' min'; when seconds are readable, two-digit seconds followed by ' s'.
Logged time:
2 h 36 min
